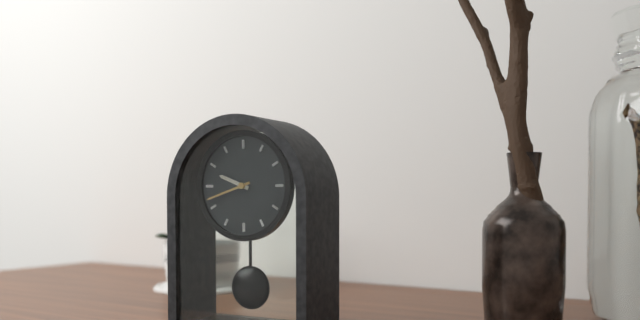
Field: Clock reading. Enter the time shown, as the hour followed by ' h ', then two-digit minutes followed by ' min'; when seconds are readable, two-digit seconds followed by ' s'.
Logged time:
9 h 42 min
